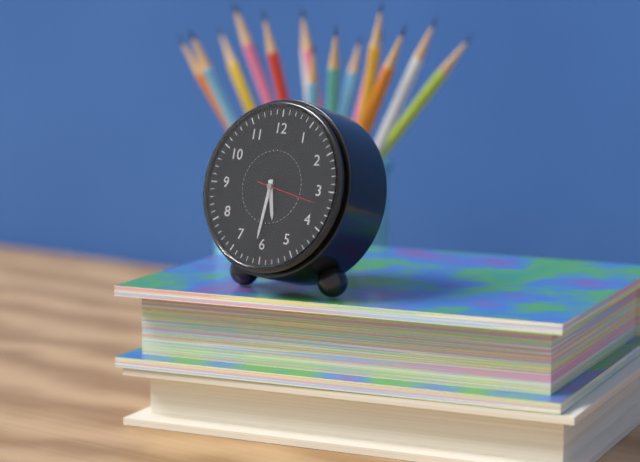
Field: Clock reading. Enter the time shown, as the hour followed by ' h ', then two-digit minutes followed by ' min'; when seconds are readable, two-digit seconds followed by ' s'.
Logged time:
5 h 31 min 17 s
